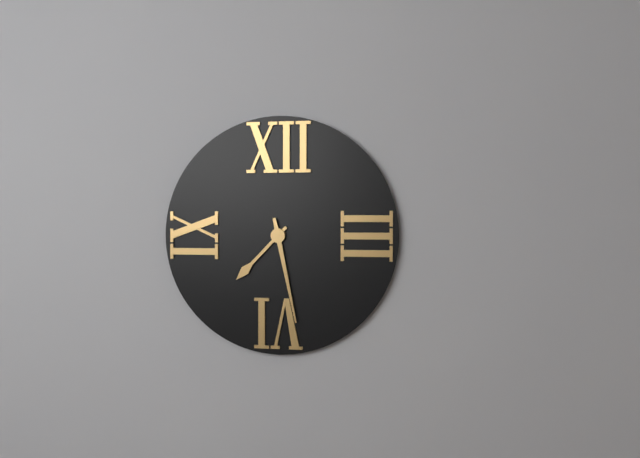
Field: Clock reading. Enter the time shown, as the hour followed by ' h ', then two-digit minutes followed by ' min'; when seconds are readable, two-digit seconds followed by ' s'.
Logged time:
7 h 28 min
